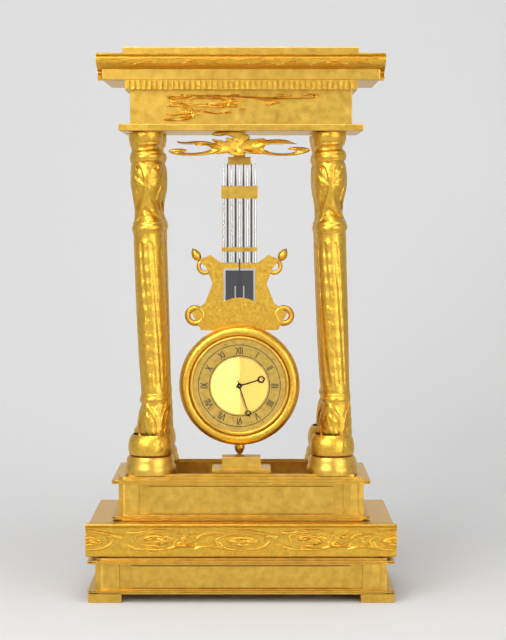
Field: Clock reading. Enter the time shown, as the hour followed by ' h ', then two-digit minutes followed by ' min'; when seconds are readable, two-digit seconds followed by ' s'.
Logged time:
2 h 27 min
